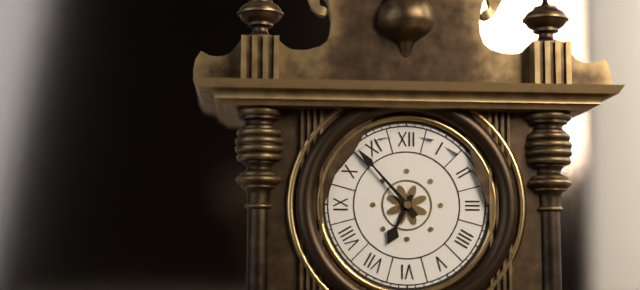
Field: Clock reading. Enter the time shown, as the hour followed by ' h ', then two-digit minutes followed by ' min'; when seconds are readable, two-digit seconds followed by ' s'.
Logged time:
6 h 53 min
